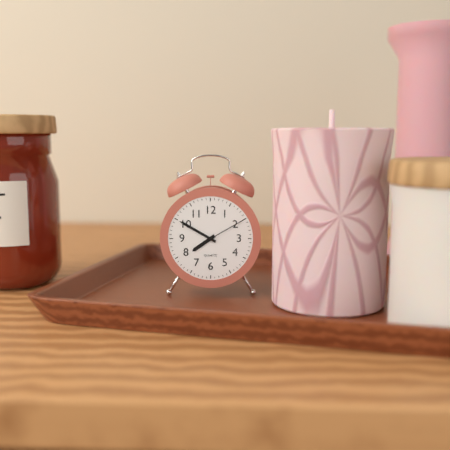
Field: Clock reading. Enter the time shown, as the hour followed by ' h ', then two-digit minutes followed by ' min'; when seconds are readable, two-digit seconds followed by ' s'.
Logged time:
7 h 50 min
